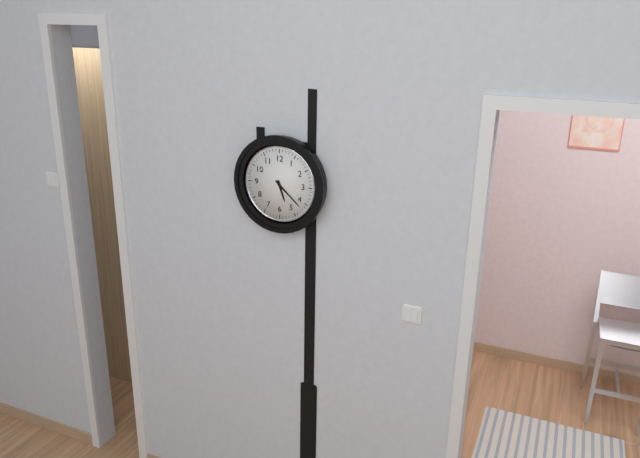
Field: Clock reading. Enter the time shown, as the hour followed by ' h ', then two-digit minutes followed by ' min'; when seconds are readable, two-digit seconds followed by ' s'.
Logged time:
5 h 22 min
